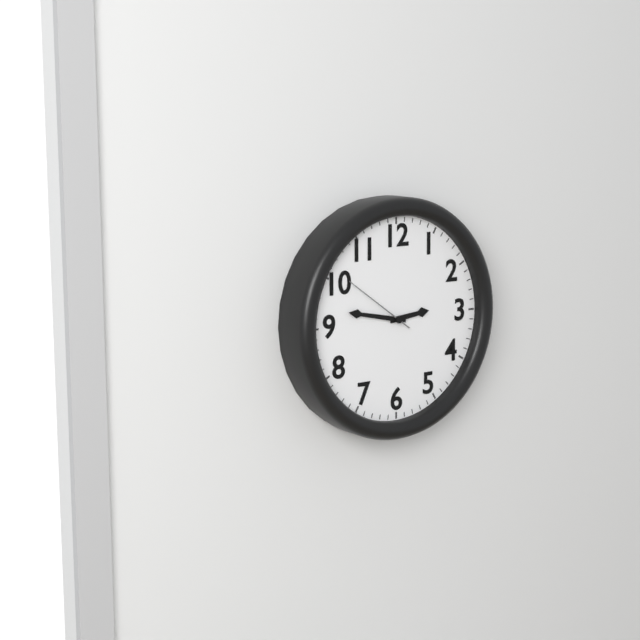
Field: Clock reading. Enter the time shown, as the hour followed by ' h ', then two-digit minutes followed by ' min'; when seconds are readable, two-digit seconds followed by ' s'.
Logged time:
2 h 47 min 51 s
